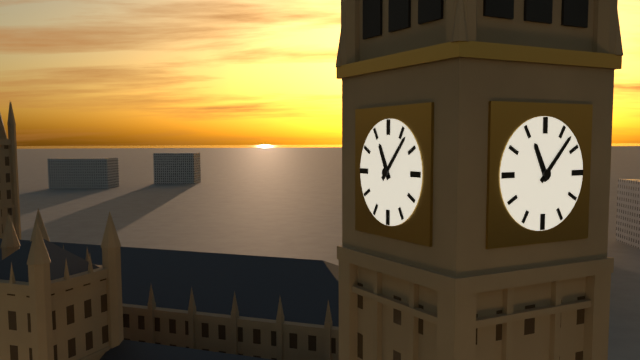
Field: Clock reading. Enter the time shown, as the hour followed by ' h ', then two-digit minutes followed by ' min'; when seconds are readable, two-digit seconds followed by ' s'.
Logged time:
11 h 07 min
